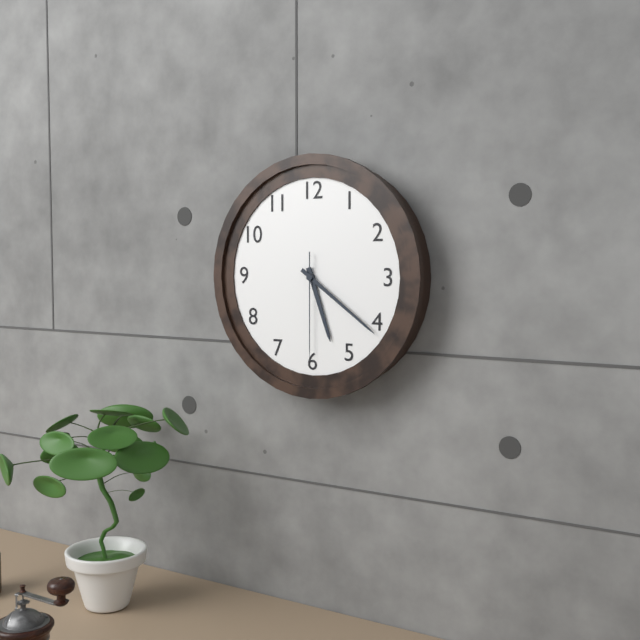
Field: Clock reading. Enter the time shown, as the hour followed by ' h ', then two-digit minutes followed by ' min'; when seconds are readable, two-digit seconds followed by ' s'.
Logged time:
5 h 21 min 30 s
